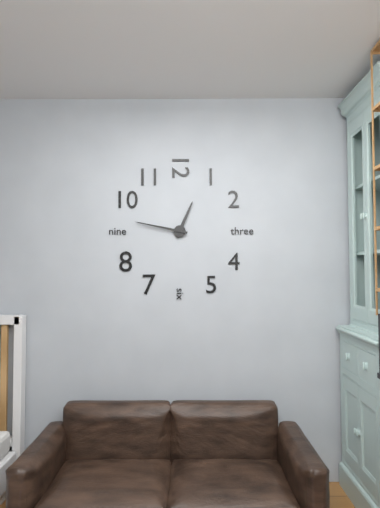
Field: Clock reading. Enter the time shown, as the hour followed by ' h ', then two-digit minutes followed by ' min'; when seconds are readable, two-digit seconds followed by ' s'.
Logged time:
12 h 47 min
